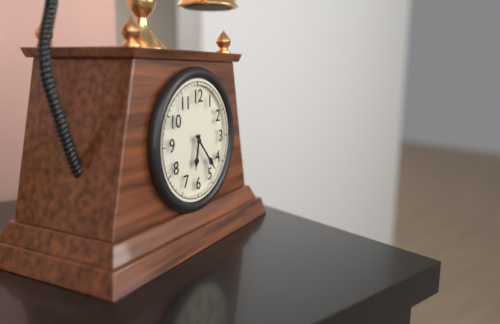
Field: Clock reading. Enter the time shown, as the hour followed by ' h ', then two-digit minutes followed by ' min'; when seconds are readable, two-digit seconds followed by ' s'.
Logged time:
6 h 23 min
